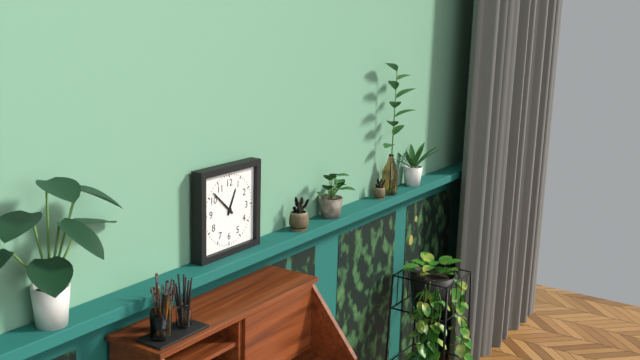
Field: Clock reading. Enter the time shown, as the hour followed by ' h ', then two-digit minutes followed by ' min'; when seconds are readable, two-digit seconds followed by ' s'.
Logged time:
12 h 52 min
